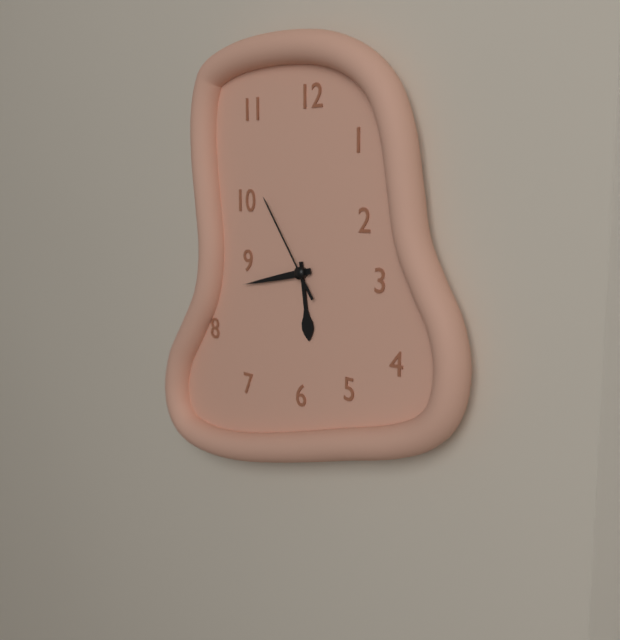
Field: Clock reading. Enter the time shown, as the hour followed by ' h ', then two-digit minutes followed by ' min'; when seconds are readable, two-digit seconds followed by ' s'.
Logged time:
5 h 43 min 54 s
